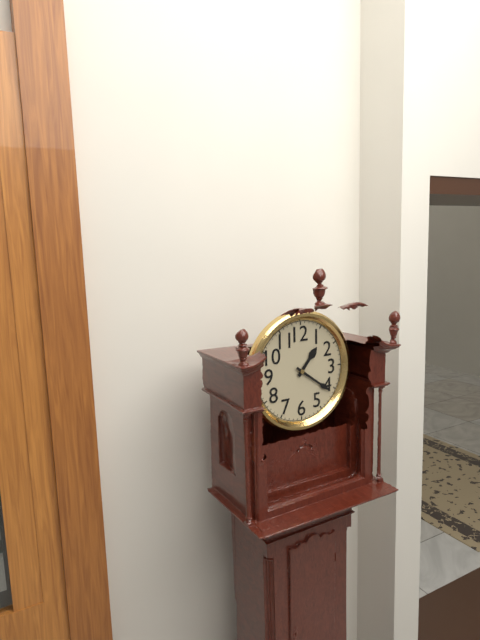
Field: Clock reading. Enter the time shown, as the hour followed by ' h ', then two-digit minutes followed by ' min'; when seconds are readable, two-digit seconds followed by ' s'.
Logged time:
1 h 21 min
